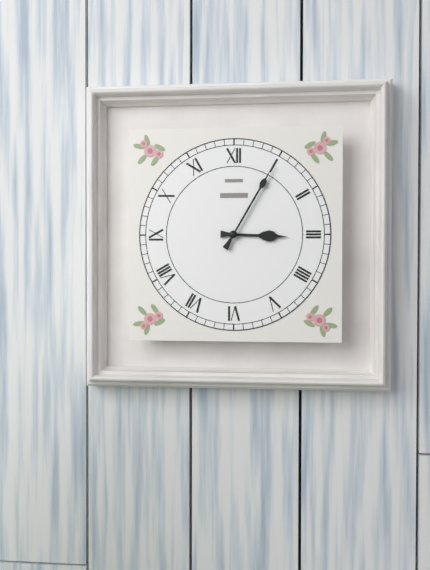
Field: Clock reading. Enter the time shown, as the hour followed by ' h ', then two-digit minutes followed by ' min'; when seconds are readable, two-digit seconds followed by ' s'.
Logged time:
3 h 05 min
